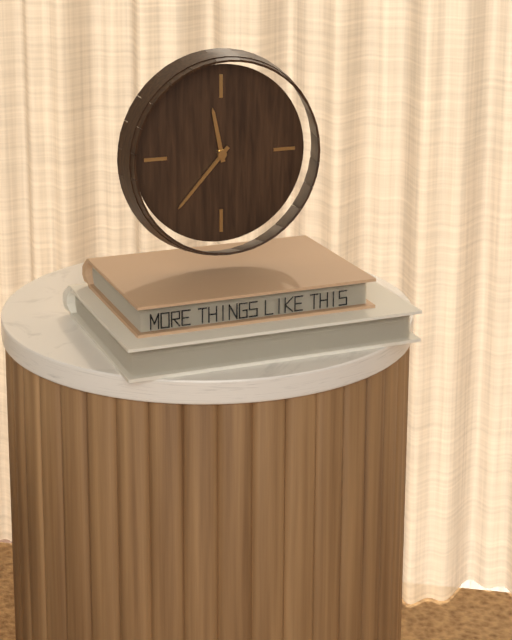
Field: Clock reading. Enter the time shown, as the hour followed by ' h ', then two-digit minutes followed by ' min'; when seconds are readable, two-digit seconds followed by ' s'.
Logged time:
11 h 37 min
